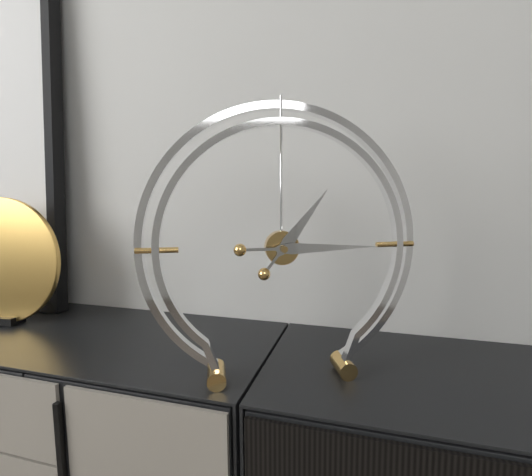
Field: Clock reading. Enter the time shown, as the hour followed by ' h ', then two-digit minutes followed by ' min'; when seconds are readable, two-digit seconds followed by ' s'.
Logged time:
1 h 15 min
